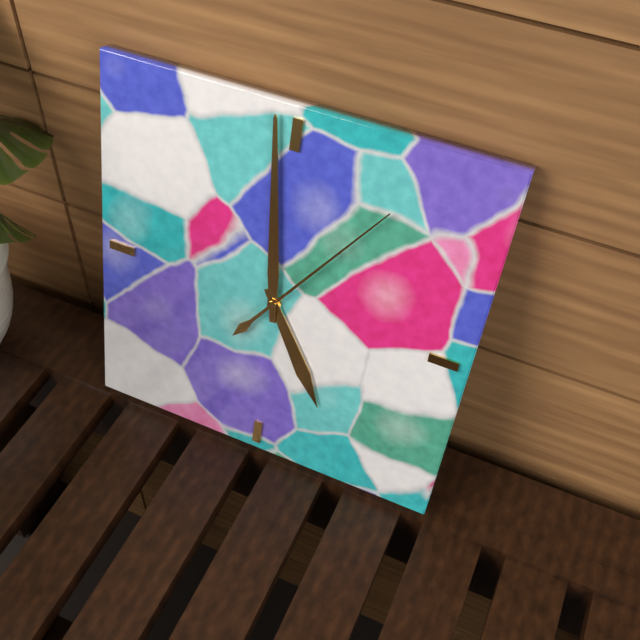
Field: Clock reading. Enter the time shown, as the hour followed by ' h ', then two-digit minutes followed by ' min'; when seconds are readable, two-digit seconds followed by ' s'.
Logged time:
4 h 59 min 06 s
